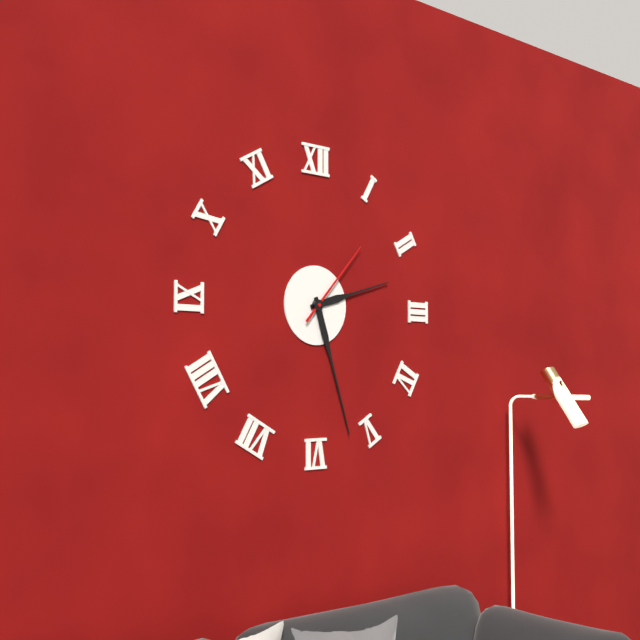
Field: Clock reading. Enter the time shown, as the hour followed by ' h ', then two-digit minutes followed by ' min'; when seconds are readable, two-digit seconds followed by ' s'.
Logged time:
2 h 27 min 07 s
